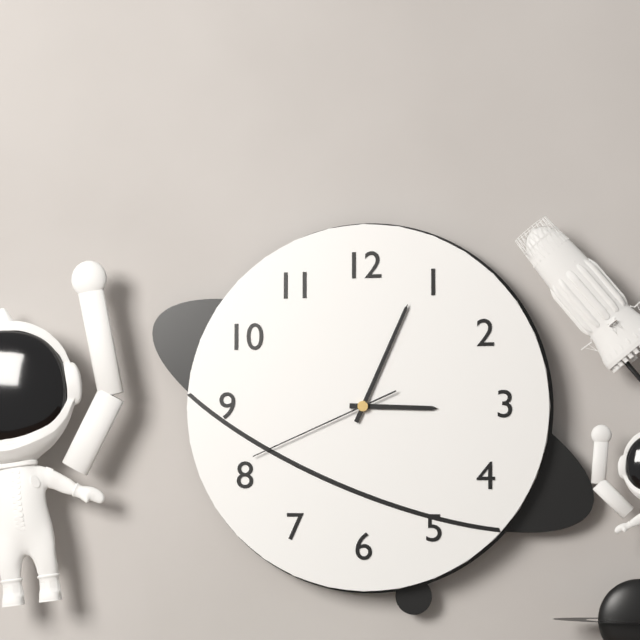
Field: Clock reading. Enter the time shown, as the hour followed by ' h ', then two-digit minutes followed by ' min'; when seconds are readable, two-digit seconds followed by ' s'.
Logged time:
3 h 04 min 41 s
